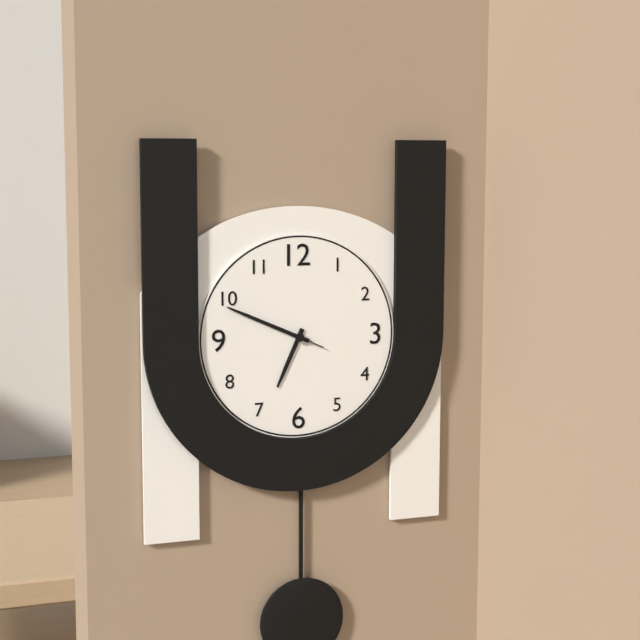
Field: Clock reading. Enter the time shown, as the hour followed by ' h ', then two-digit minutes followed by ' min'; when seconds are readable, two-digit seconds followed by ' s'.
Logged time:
6 h 49 min 49 s
